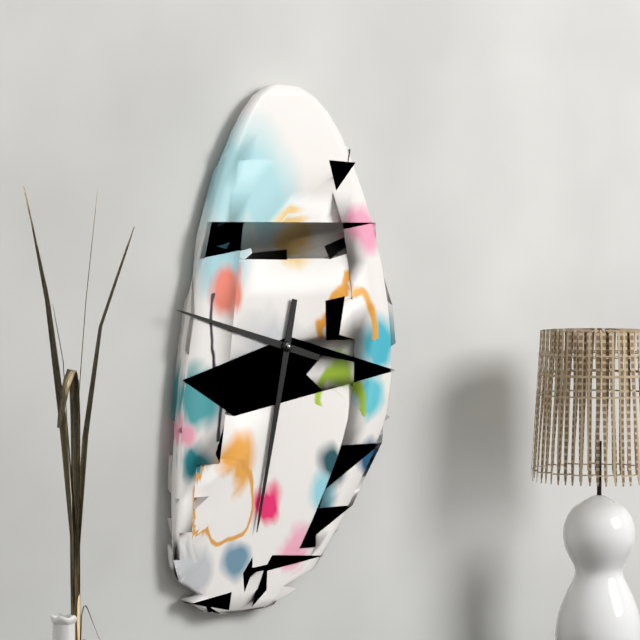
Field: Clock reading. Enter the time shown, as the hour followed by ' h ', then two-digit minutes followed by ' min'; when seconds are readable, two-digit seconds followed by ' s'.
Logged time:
9 h 32 min
